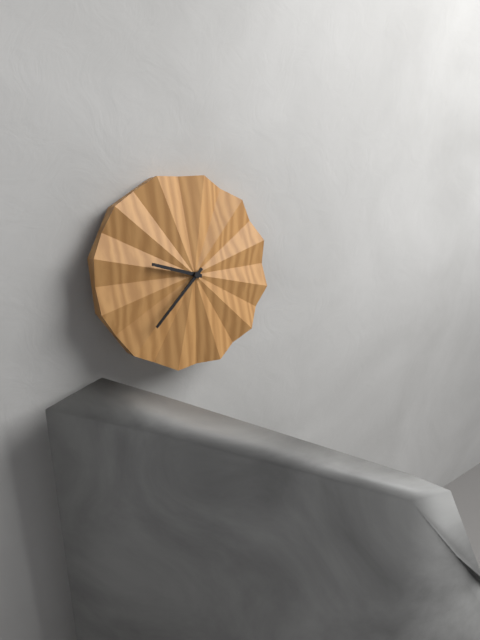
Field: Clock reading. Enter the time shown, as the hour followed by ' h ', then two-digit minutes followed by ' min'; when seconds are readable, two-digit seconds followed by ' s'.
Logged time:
9 h 38 min
